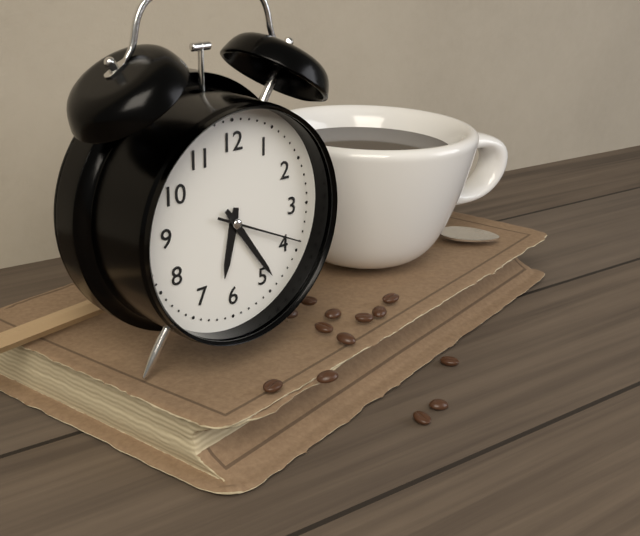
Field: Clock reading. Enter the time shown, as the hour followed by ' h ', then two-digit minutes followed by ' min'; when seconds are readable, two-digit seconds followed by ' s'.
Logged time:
6 h 24 min 19 s
